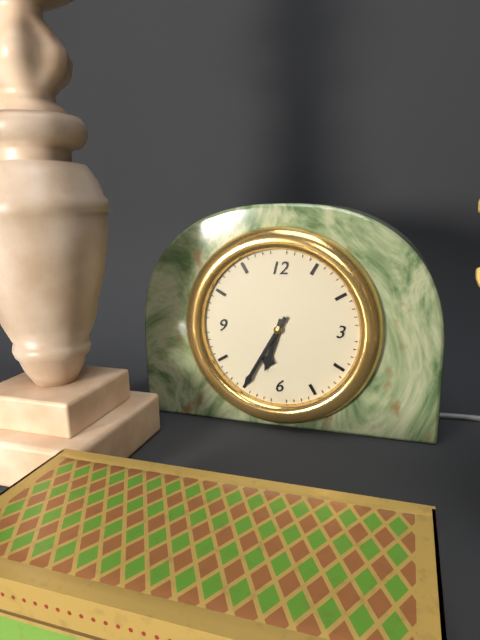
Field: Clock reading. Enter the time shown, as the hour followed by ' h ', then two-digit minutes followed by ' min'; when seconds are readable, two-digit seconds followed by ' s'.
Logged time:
6 h 35 min
